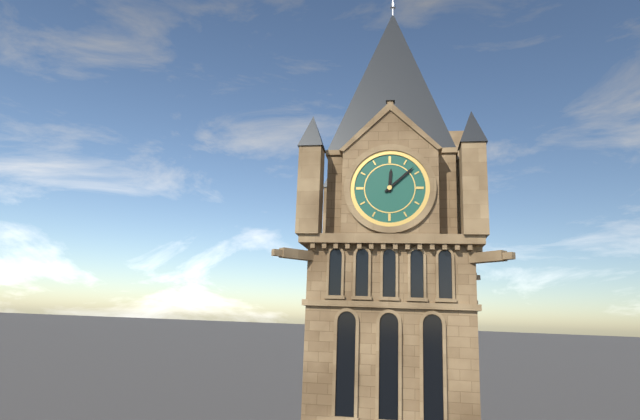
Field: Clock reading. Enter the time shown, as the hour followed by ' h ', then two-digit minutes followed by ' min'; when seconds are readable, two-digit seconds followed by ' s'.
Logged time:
12 h 08 min
